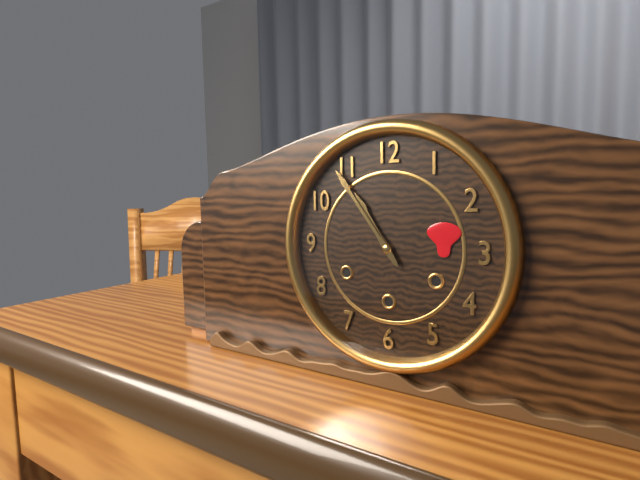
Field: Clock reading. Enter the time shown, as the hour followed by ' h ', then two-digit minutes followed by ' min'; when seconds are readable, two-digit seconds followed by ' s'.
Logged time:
10 h 54 min
